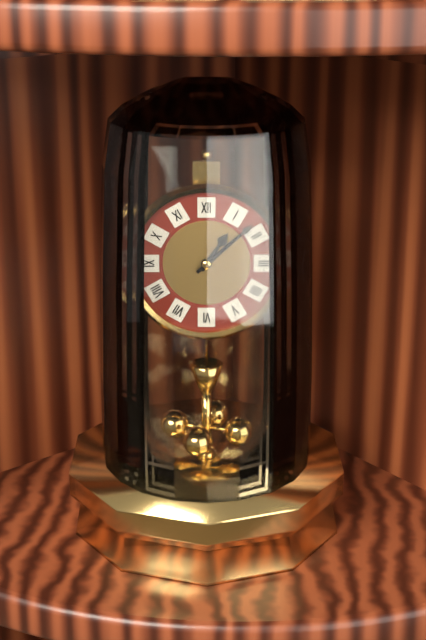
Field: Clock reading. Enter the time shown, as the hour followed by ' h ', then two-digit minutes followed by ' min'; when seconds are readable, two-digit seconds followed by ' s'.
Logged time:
1 h 08 min
